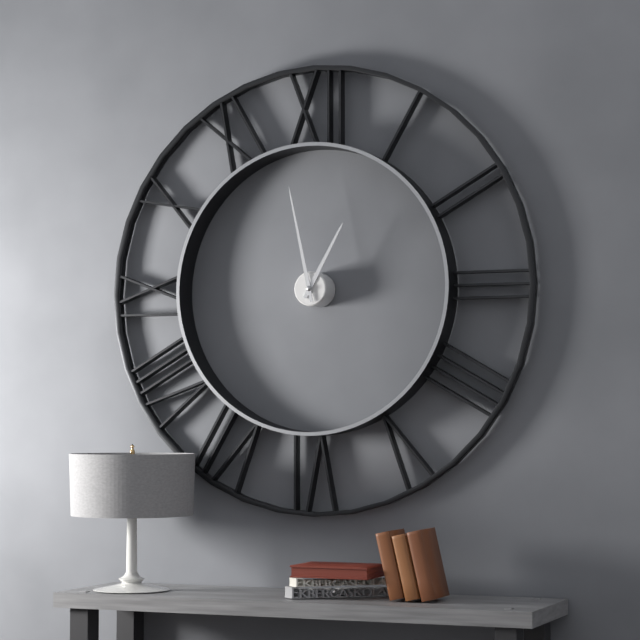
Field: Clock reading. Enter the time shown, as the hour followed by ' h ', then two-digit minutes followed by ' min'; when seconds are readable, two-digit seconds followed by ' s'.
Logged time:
12 h 58 min
